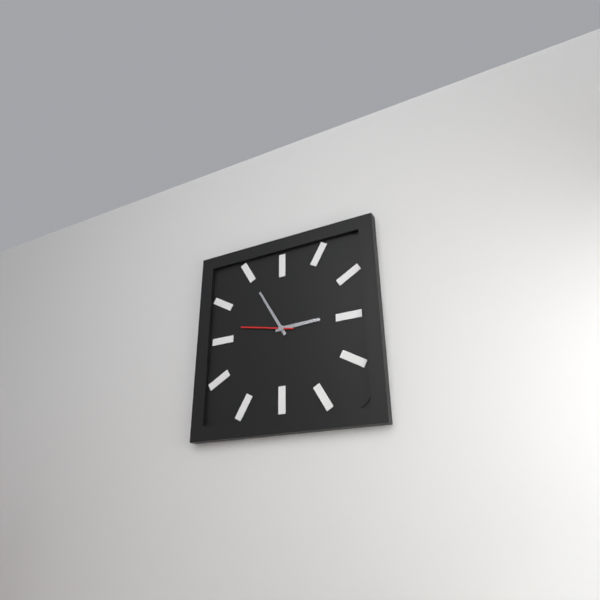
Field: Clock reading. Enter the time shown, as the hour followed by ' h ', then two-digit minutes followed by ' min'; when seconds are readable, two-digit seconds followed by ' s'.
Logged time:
2 h 55 min 47 s
